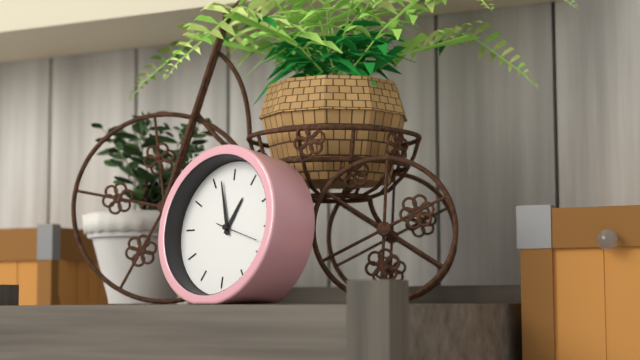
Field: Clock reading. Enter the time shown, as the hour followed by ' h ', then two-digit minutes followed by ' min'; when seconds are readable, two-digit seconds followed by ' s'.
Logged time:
12 h 57 min
